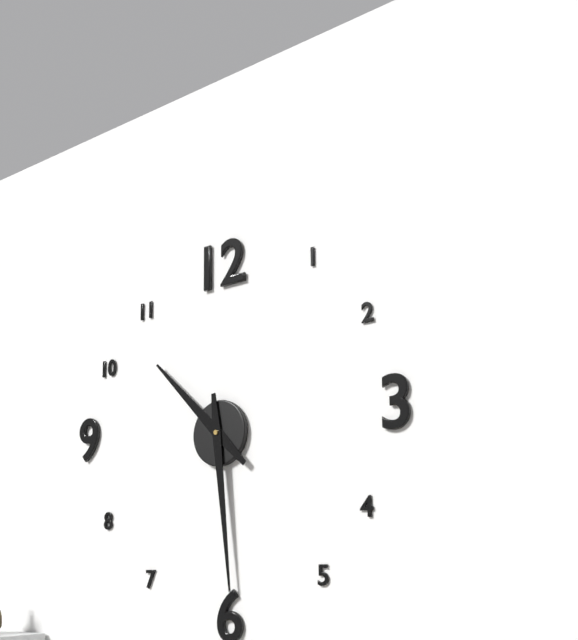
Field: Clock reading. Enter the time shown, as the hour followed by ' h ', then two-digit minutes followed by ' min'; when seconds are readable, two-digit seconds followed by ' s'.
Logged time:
10 h 29 min
